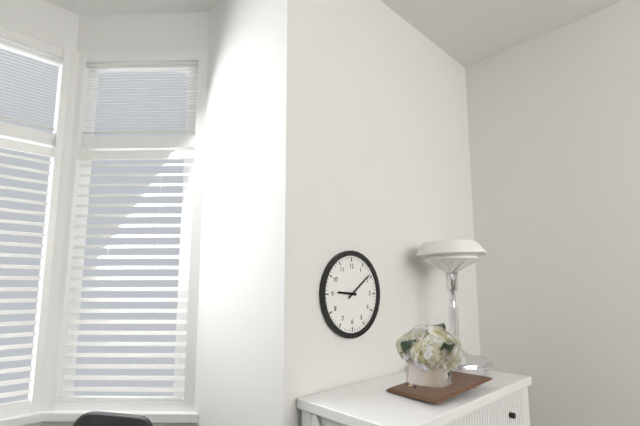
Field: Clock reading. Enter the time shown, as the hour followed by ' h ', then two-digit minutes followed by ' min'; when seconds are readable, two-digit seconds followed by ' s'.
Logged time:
9 h 09 min
